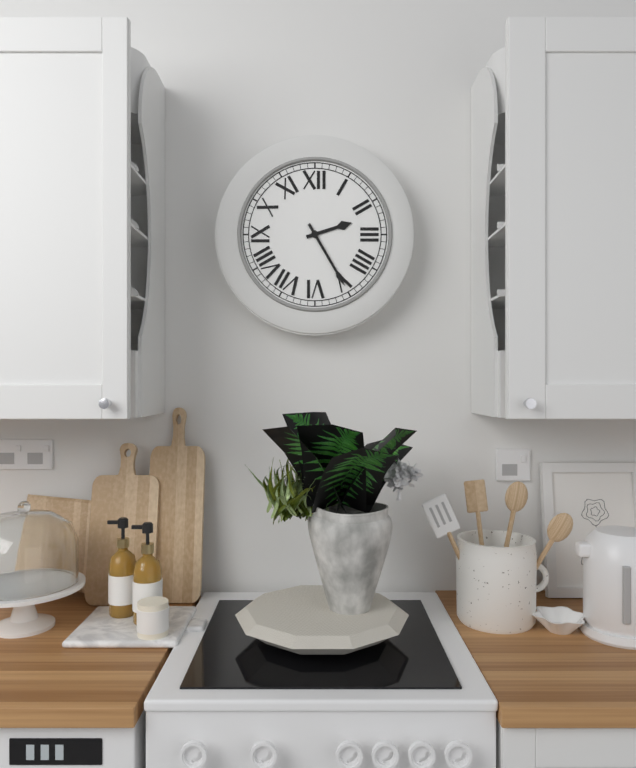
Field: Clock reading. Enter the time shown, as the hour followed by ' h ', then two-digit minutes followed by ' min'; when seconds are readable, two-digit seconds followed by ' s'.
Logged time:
2 h 25 min
